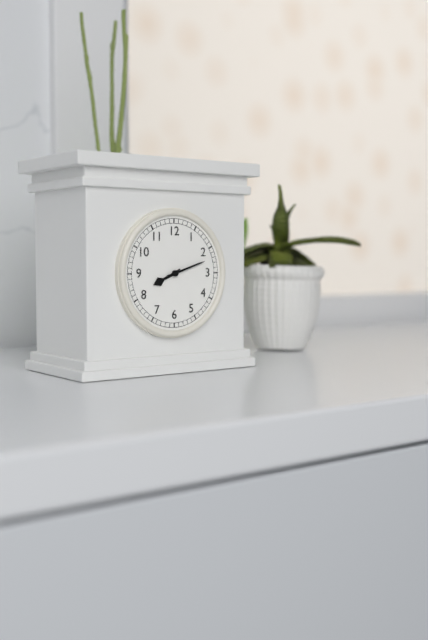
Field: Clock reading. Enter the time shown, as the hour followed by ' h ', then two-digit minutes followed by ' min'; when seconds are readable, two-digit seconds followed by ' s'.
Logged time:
8 h 12 min
